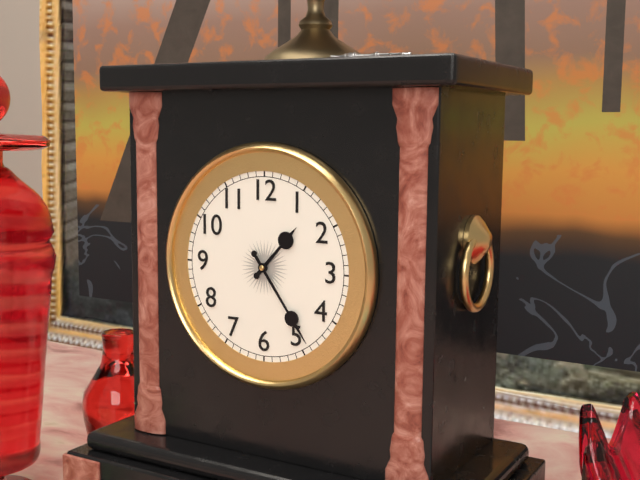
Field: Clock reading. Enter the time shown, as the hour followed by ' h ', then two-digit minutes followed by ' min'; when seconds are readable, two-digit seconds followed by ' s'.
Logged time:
1 h 24 min
